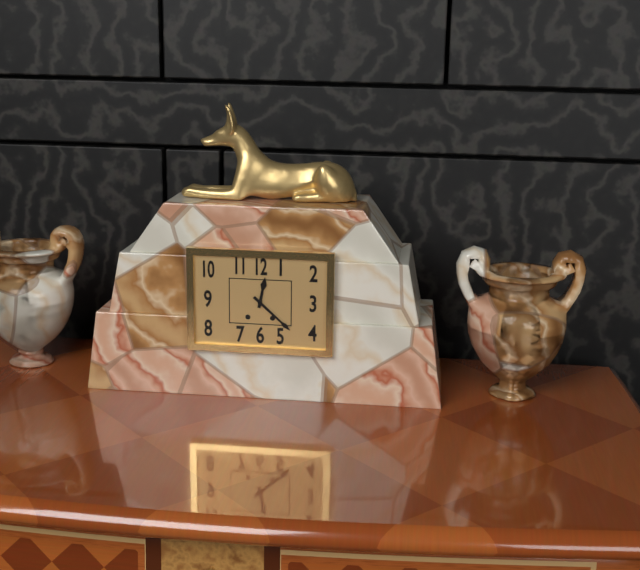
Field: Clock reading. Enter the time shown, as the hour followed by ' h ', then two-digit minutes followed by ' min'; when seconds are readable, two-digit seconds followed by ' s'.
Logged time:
12 h 22 min
